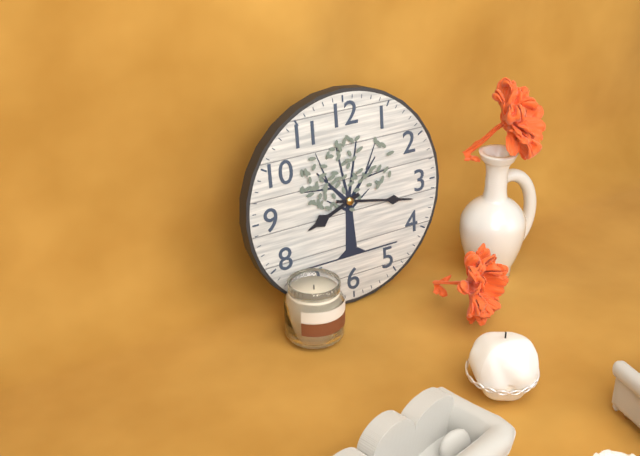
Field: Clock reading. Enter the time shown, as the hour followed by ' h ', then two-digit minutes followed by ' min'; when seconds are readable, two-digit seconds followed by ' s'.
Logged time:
8 h 17 min
